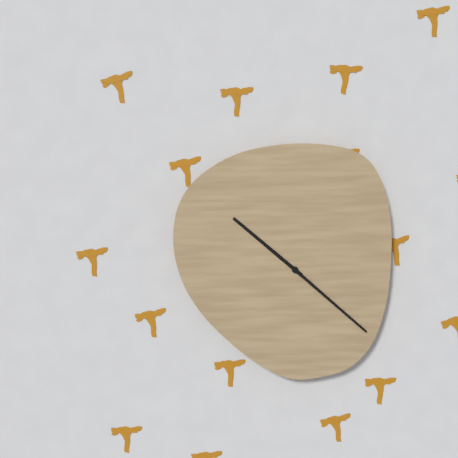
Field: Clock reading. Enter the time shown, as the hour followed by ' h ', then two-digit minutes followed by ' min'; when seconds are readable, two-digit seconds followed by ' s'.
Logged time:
10 h 22 min
